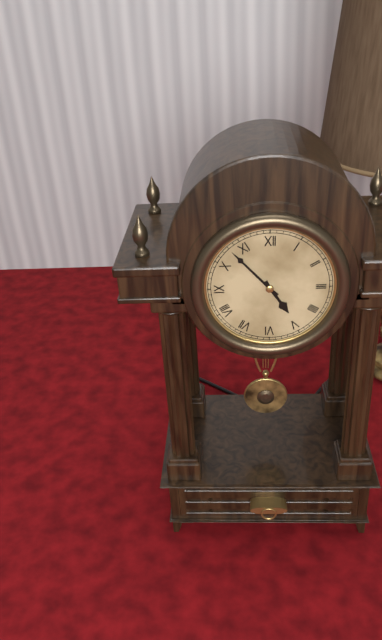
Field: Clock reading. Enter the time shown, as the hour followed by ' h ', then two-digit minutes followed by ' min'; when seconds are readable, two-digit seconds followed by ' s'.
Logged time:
4 h 53 min
